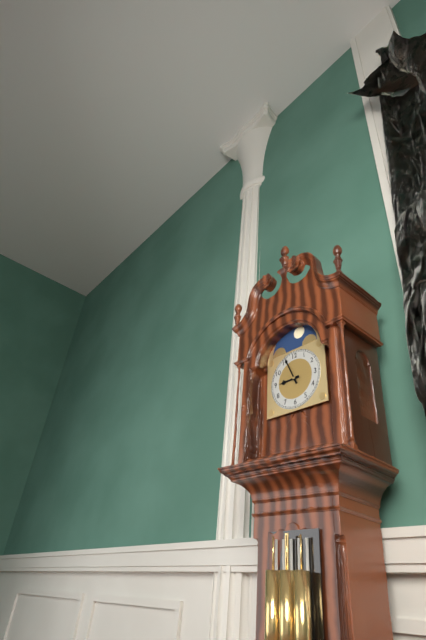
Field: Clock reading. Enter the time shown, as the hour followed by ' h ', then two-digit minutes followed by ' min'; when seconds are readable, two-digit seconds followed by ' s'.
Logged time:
8 h 56 min
